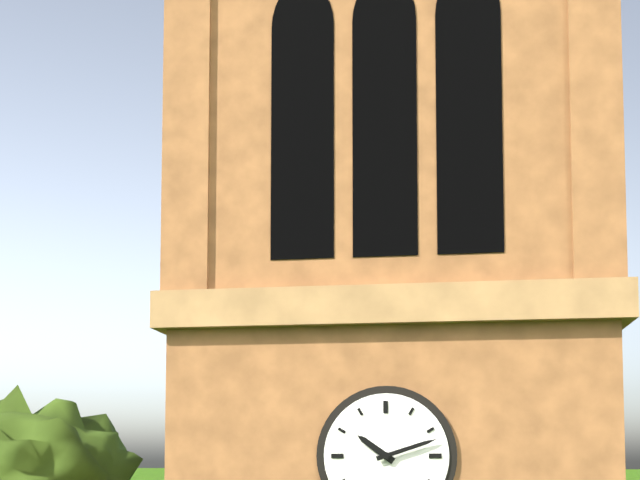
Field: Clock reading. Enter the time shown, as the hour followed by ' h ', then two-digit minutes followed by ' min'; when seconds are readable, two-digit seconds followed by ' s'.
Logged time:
10 h 12 min
